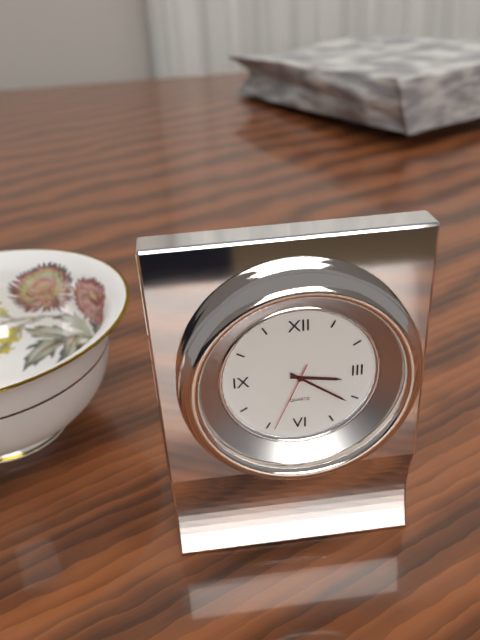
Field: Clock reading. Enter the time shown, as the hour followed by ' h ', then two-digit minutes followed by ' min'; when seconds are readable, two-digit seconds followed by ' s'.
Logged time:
3 h 21 min 34 s
